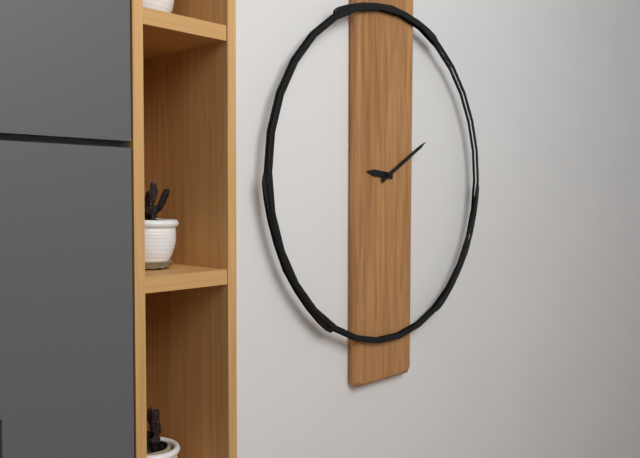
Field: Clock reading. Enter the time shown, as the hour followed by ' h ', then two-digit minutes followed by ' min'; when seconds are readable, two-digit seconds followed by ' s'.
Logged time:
9 h 10 min
